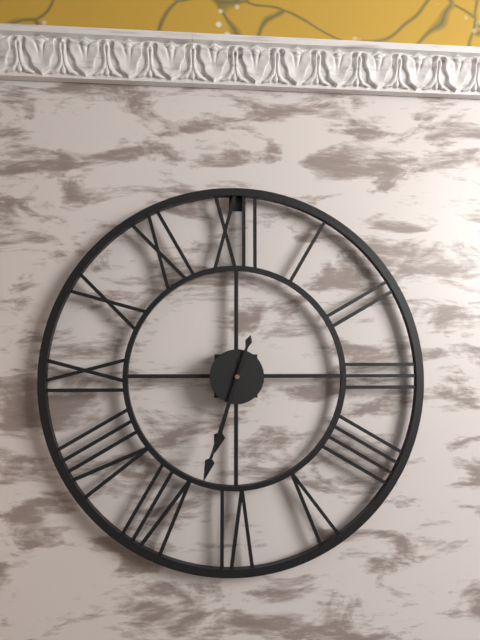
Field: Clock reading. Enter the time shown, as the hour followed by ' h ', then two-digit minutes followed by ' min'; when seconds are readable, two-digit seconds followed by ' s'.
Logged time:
6 h 33 min
